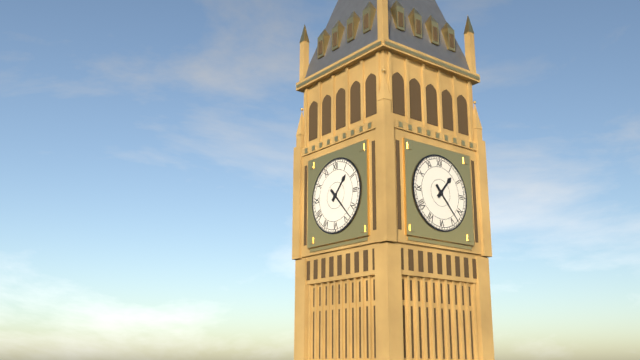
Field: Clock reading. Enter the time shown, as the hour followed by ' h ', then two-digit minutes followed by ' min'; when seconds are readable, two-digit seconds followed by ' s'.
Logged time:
1 h 23 min
